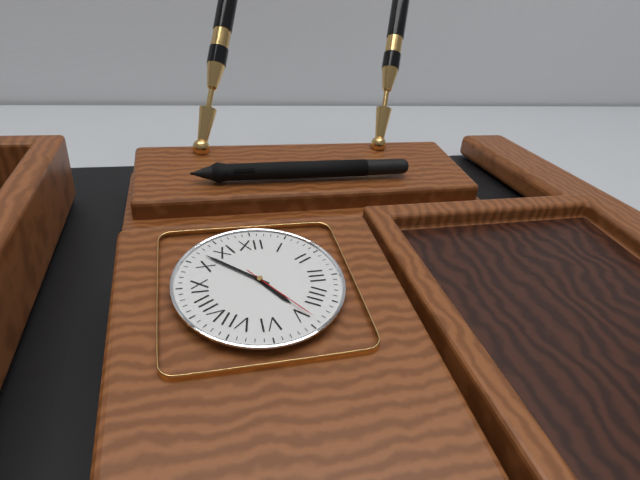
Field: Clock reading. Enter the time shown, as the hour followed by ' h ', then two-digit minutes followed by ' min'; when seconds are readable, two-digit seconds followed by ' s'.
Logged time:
4 h 52 min 24 s
